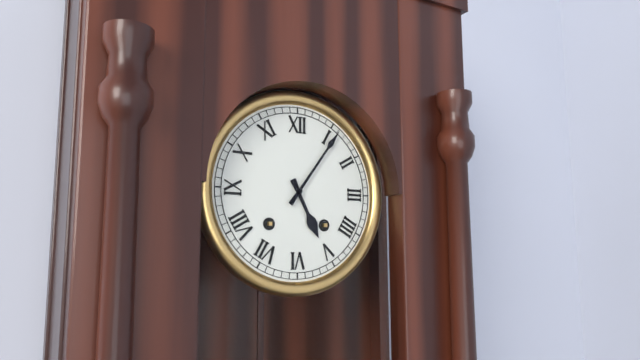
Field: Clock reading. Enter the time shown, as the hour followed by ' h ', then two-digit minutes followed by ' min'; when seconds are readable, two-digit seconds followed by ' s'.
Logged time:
5 h 06 min
